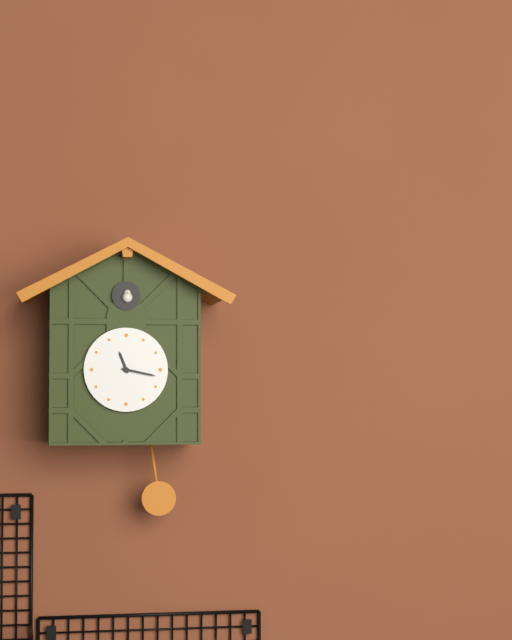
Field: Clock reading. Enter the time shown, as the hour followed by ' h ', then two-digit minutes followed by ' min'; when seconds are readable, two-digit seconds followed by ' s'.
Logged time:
11 h 17 min
